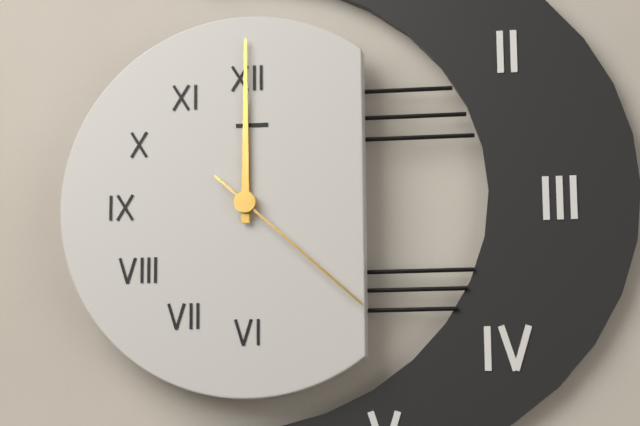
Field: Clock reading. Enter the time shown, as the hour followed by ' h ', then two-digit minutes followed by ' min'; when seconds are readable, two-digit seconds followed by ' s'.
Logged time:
12 h 00 min 22 s
